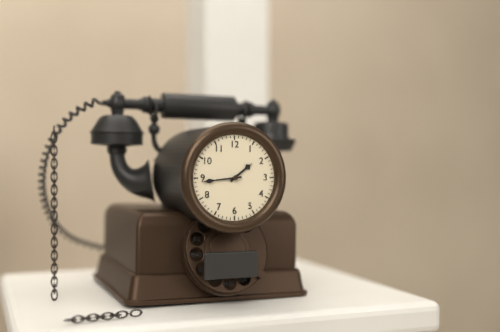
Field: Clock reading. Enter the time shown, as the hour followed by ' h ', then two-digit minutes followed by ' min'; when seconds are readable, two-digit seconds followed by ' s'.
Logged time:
1 h 44 min
